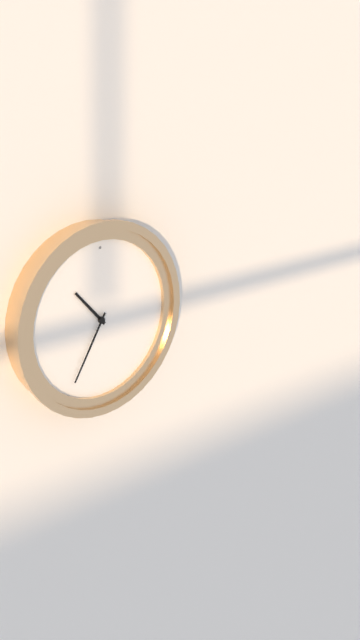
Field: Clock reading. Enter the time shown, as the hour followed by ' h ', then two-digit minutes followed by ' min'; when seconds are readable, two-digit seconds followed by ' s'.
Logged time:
10 h 35 min
